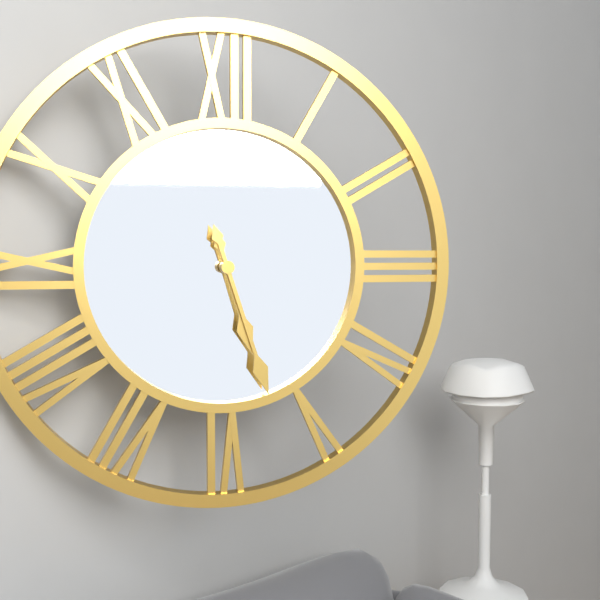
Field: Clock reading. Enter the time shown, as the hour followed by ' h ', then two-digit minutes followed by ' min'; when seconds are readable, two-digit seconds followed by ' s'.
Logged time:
5 h 27 min
